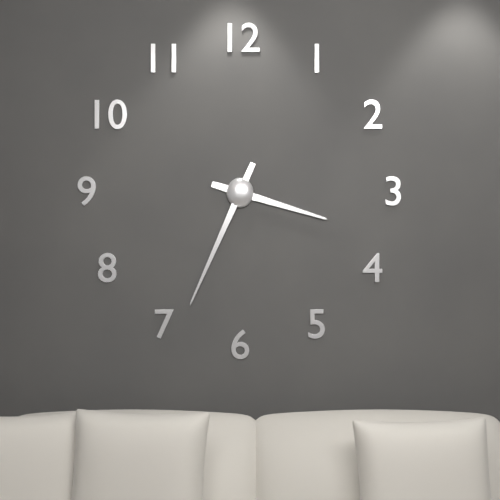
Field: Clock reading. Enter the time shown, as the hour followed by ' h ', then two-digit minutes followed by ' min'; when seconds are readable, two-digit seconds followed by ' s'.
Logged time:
3 h 34 min
